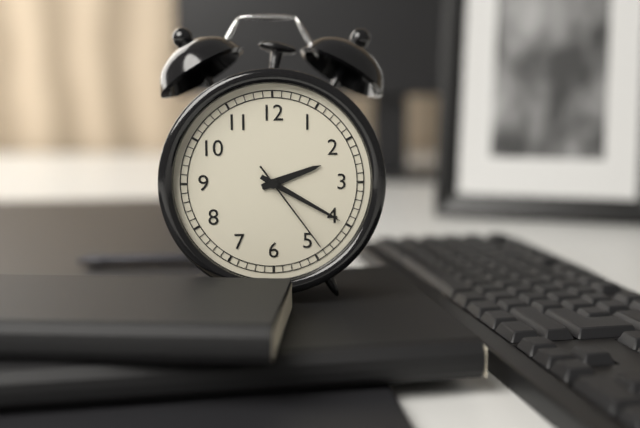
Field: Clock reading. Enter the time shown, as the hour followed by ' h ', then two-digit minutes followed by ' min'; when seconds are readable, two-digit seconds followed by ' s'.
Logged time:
2 h 20 min 24 s
